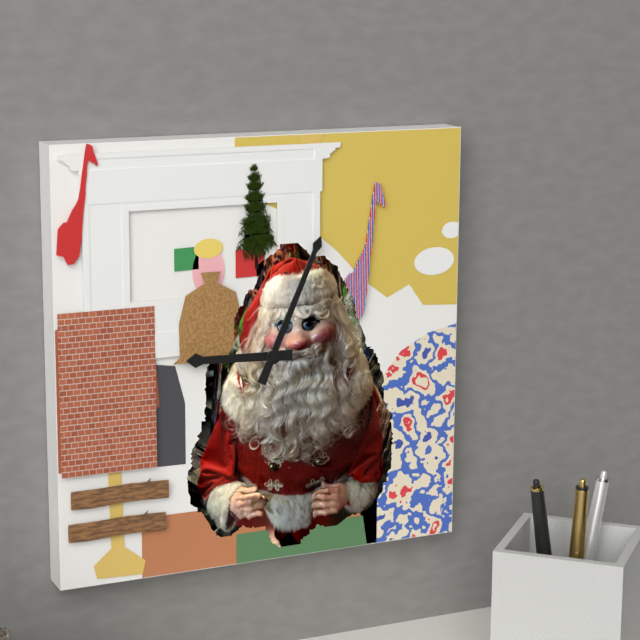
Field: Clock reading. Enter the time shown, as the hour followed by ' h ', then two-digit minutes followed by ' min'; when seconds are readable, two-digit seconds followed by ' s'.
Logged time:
9 h 04 min
